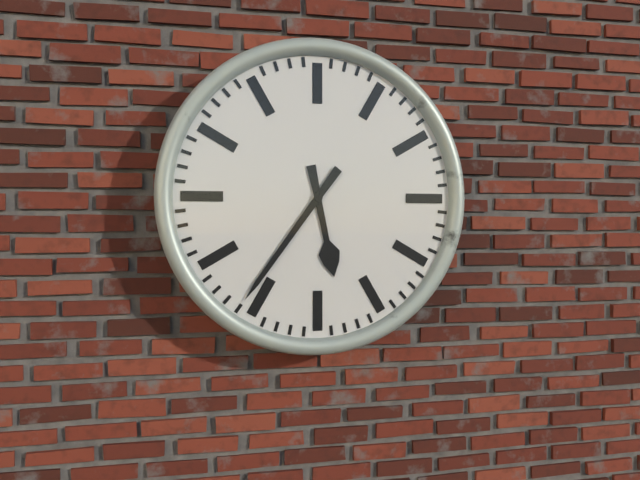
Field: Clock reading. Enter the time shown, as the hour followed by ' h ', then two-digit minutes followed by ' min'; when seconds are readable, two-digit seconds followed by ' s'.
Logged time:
5 h 36 min
